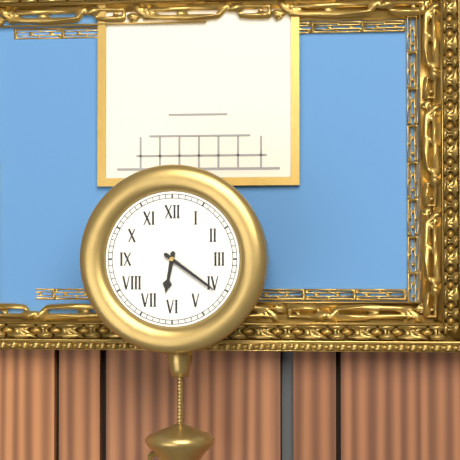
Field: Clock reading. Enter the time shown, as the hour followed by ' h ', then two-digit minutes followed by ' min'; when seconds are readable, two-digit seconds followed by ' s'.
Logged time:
6 h 21 min
